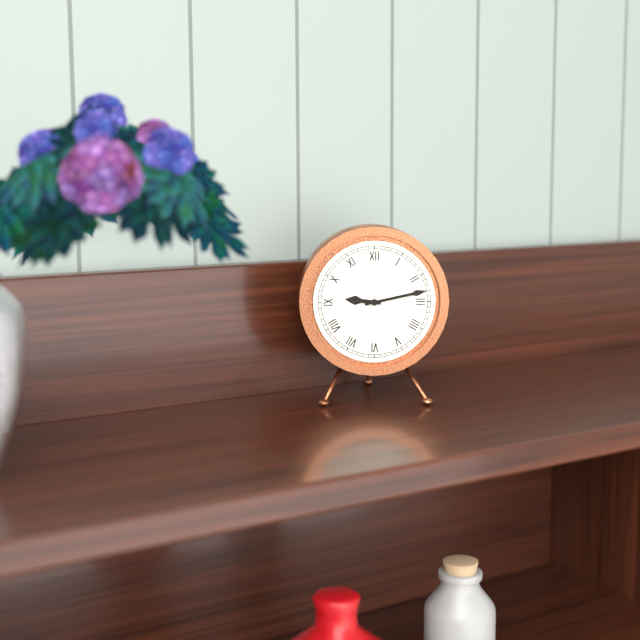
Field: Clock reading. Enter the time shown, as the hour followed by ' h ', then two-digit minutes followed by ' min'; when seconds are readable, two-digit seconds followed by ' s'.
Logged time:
9 h 13 min
